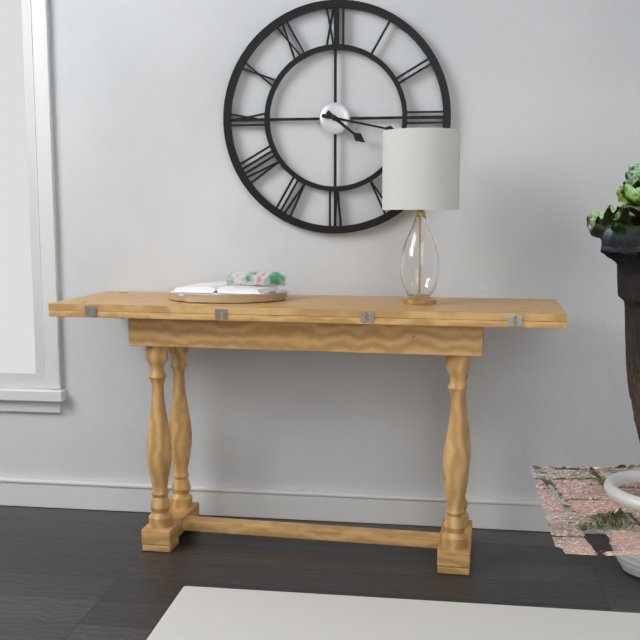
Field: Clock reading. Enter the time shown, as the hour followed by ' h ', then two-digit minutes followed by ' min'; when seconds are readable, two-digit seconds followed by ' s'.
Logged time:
4 h 17 min
